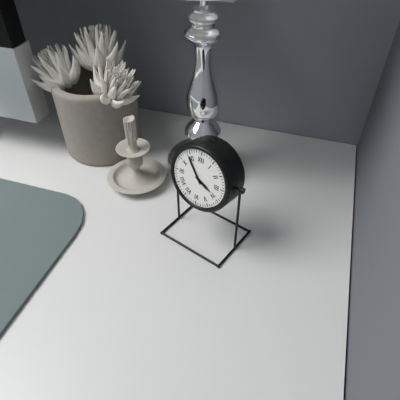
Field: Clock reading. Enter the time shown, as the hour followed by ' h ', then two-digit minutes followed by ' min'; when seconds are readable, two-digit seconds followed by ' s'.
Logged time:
3 h 54 min
